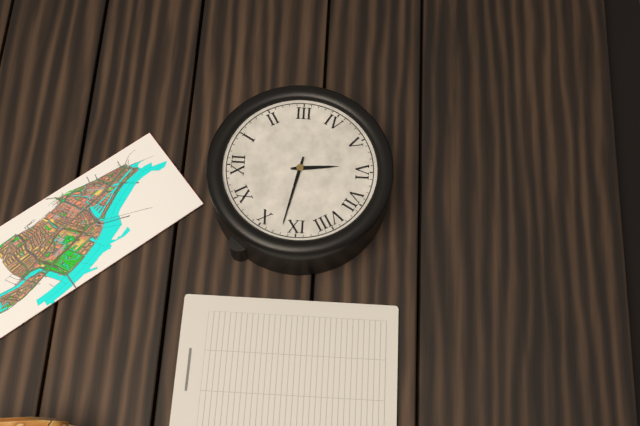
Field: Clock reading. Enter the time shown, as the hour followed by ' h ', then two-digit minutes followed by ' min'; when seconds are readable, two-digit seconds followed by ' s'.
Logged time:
5 h 47 min
